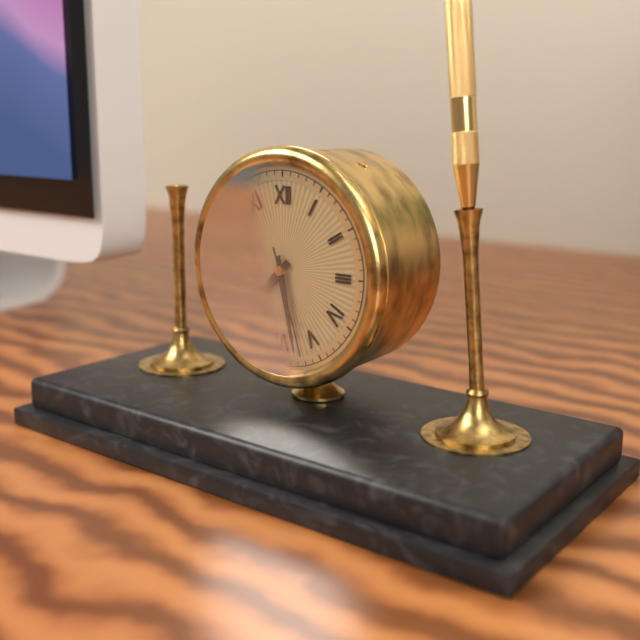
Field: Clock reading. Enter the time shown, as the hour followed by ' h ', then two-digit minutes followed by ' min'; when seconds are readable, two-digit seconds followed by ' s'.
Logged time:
7 h 28 min 27 s
